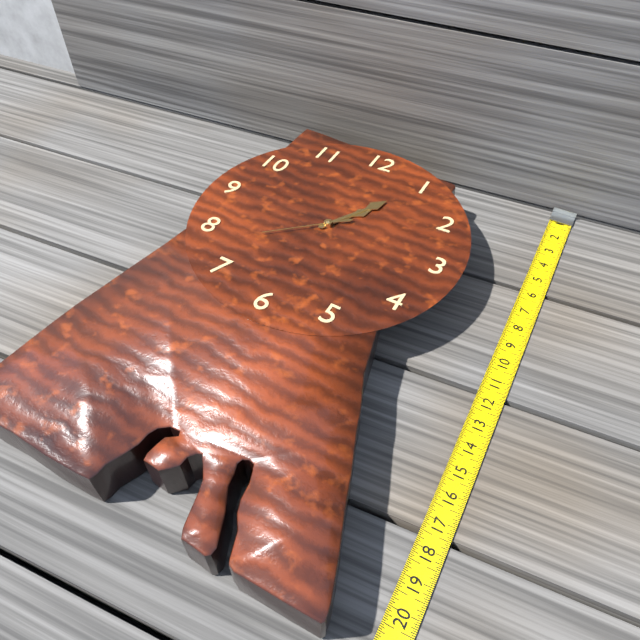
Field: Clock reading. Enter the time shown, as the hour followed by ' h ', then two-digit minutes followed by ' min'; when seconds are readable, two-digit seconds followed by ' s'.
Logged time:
1 h 05 min 38 s
